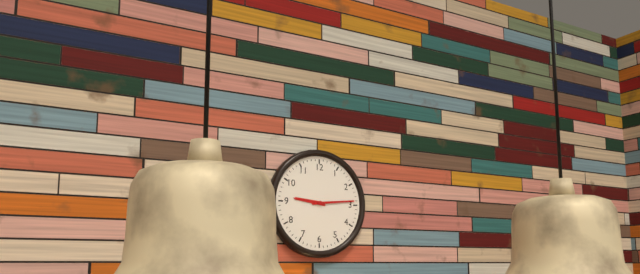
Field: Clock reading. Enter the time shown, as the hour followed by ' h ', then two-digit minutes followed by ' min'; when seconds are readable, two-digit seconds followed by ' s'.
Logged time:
9 h 14 min
